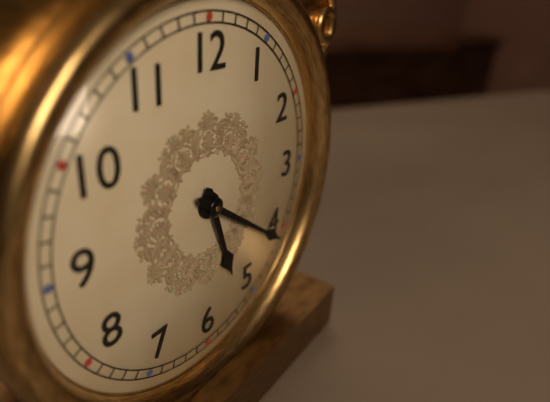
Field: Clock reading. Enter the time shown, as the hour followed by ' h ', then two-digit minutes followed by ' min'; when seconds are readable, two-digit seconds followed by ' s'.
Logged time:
5 h 21 min
